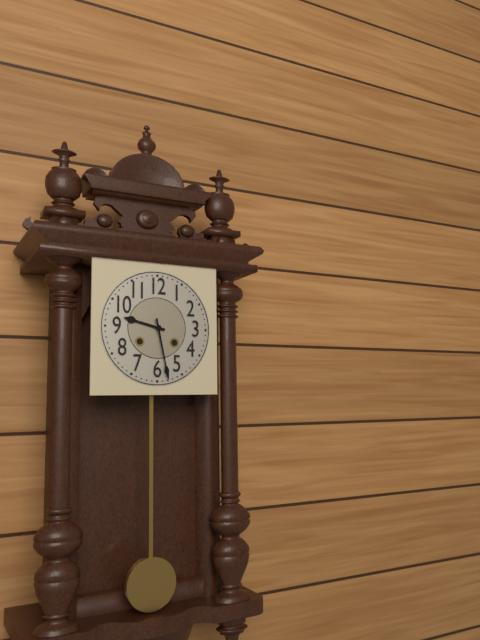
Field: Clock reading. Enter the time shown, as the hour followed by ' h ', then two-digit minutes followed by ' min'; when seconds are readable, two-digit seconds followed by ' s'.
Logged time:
9 h 28 min
